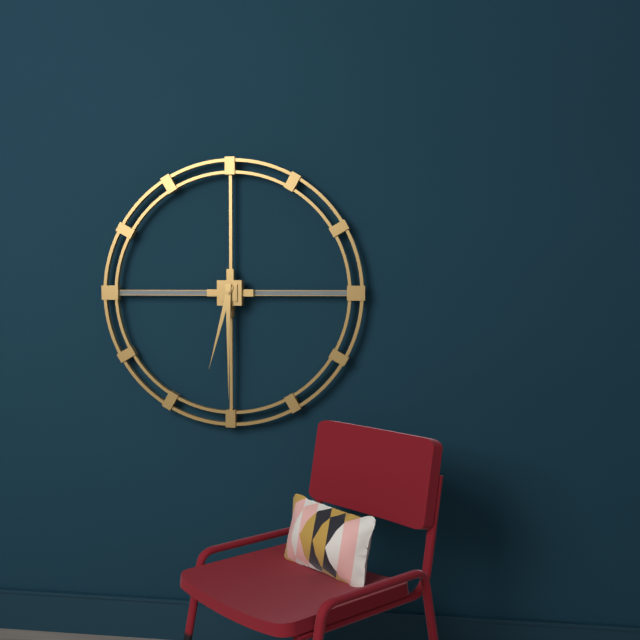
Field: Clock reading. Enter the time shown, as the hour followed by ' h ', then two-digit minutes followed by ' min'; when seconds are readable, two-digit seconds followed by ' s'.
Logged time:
6 h 30 min
